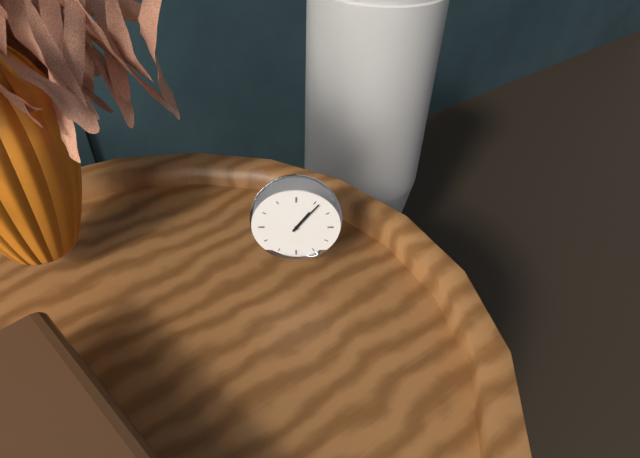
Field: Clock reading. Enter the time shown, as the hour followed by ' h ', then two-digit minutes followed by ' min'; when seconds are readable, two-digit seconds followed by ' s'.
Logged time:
1 h 06 min
